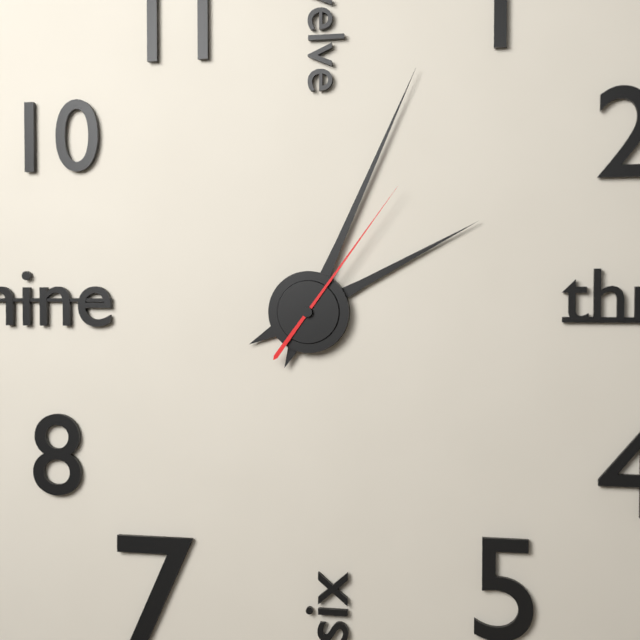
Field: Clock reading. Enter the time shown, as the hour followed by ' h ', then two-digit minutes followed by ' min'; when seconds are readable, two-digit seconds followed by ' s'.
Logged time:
2 h 04 min 06 s
